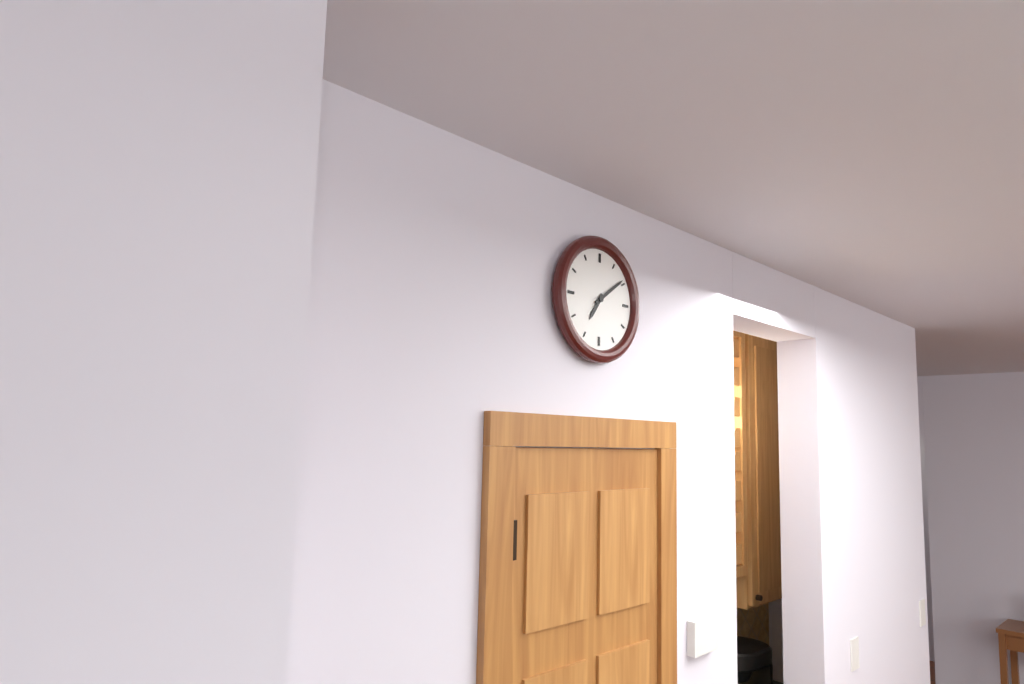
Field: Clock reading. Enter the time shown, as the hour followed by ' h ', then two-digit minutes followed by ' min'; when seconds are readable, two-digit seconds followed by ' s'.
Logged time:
7 h 09 min
